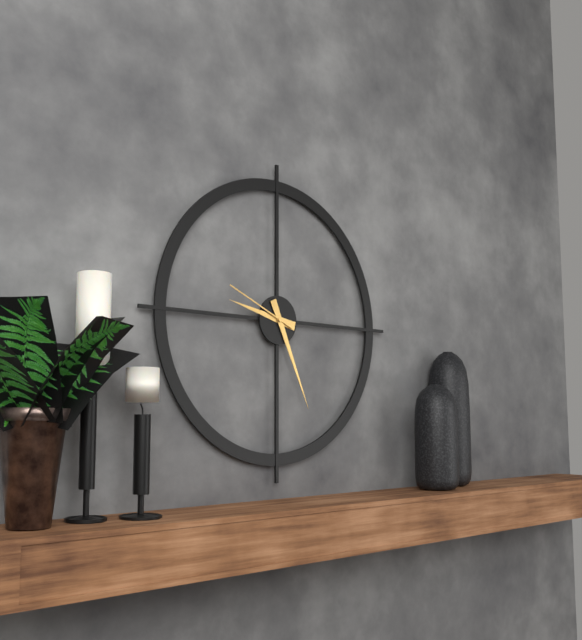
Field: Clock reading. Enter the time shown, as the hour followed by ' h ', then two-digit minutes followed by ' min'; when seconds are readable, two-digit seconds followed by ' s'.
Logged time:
9 h 26 min 49 s
